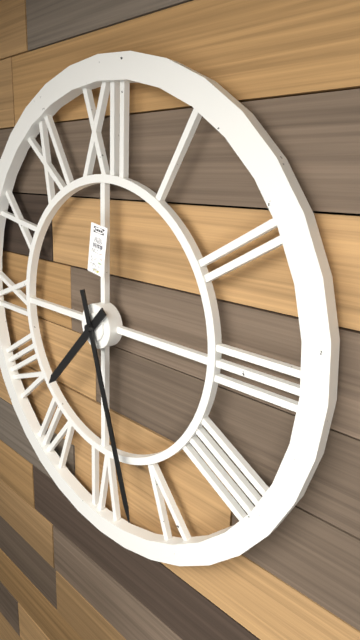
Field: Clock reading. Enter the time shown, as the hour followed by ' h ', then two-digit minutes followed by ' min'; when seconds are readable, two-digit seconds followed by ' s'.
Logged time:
7 h 27 min
